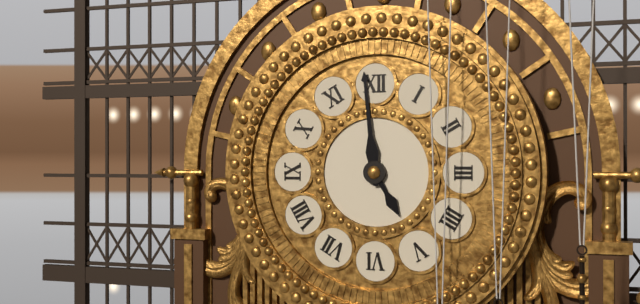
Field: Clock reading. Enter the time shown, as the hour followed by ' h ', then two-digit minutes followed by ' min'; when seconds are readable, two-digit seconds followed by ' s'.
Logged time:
4 h 59 min
